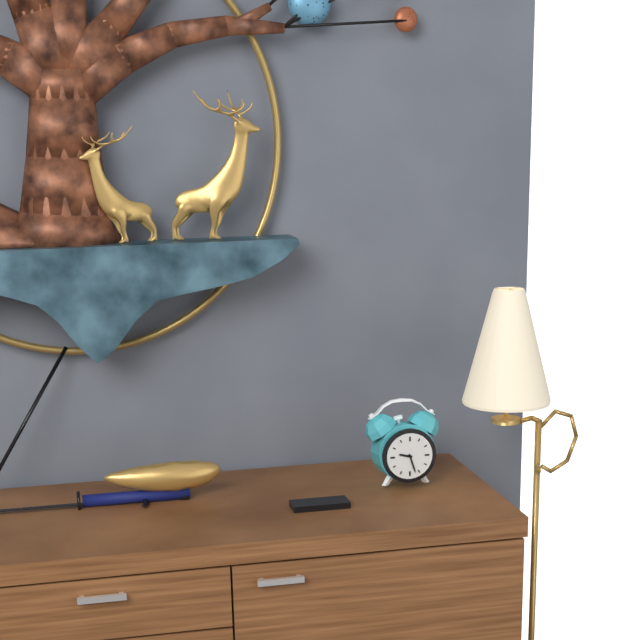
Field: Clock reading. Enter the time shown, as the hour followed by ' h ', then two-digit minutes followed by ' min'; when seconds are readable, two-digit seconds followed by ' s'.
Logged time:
9 h 27 min
